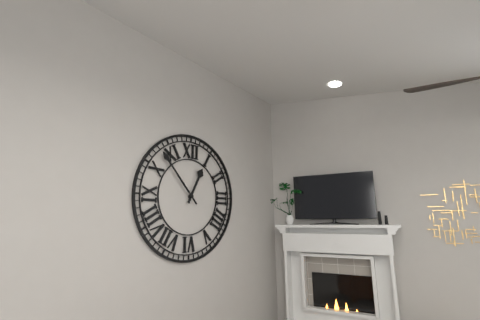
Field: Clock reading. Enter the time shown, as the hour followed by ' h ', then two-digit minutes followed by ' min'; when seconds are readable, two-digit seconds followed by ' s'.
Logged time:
12 h 53 min
